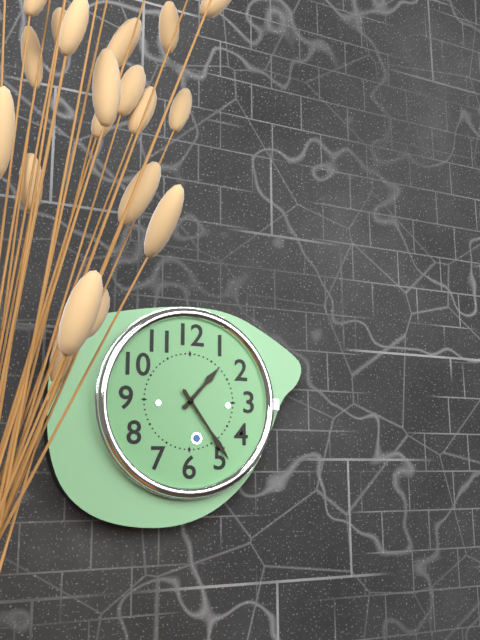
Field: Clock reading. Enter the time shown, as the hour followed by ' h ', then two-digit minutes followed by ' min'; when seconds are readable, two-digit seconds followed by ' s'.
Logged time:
1 h 24 min
